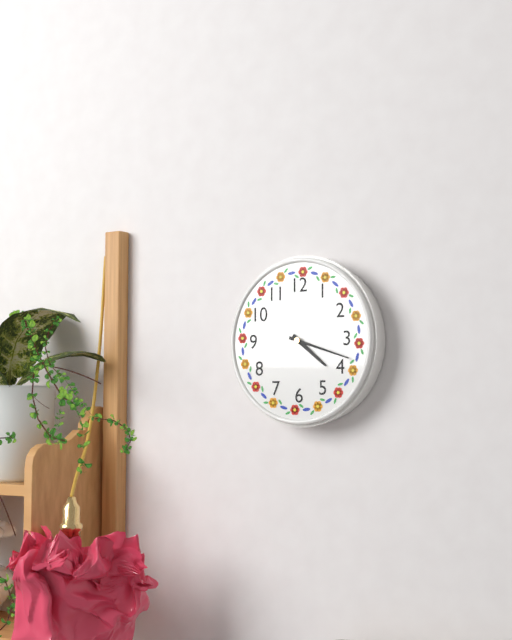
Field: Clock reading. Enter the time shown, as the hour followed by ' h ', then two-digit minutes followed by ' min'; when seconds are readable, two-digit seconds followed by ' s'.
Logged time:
4 h 18 min
